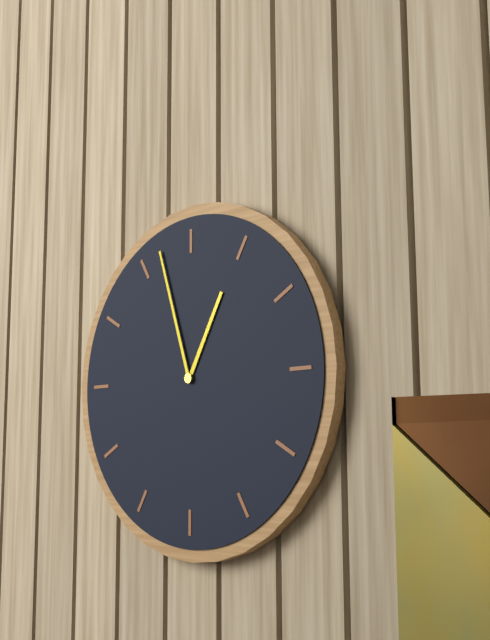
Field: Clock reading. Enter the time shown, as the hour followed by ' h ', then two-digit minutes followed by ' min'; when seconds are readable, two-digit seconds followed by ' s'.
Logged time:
12 h 57 min
